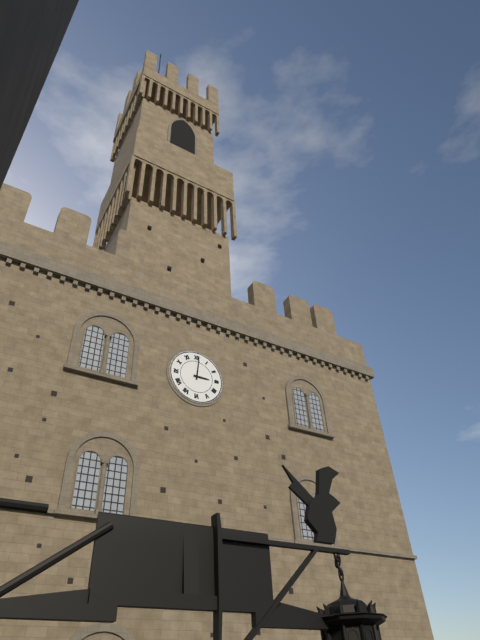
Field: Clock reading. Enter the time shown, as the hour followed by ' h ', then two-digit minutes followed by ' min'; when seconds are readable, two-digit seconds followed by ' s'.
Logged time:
3 h 01 min
